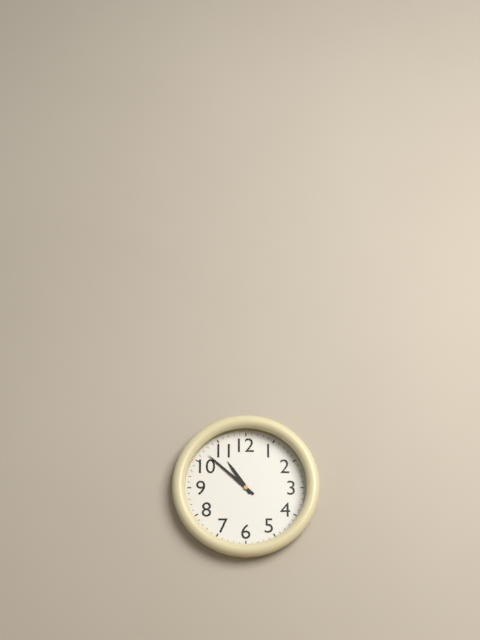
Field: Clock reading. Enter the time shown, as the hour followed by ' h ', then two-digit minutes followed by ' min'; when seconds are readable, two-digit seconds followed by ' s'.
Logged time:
10 h 52 min
